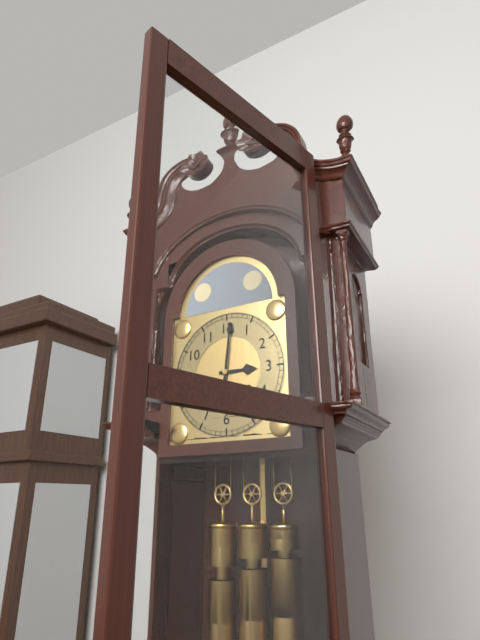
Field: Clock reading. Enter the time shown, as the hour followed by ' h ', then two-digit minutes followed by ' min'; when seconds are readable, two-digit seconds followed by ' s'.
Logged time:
3 h 01 min
